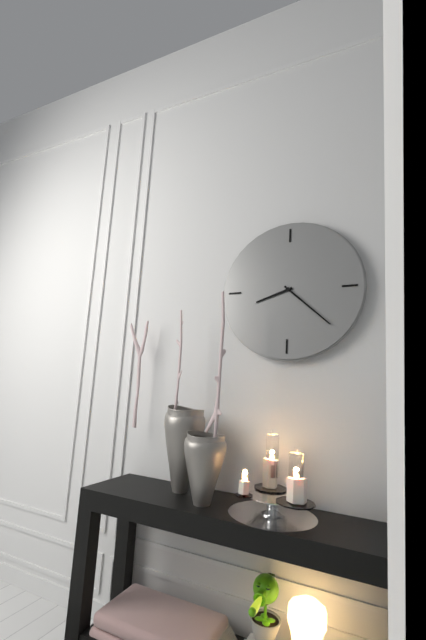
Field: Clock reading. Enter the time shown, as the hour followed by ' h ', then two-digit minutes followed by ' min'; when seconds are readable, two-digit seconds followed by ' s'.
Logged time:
8 h 22 min
